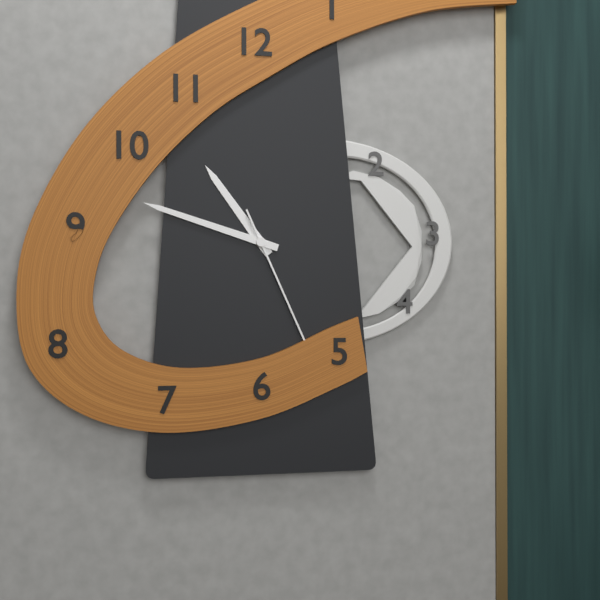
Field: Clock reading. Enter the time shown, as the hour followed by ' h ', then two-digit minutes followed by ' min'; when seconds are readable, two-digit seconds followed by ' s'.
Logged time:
10 h 48 min 26 s
